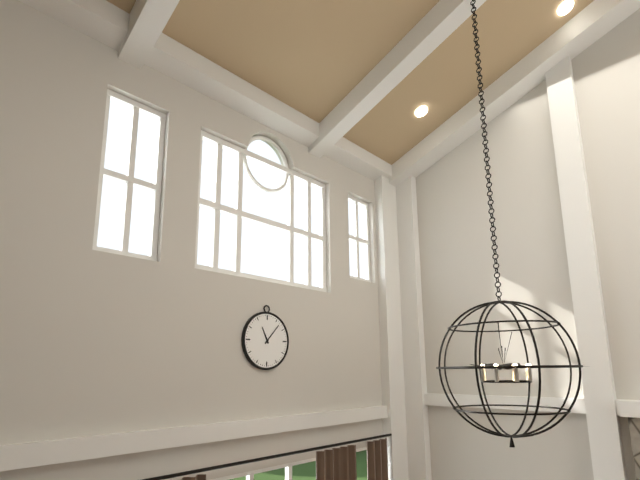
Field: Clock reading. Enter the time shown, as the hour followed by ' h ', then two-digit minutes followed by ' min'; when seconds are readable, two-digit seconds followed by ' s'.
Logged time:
11 h 07 min
